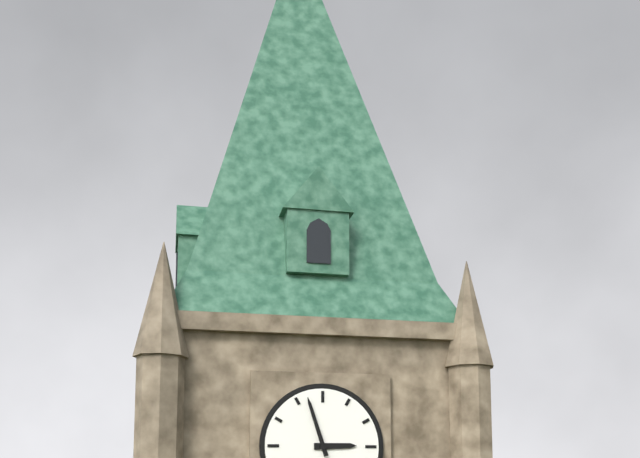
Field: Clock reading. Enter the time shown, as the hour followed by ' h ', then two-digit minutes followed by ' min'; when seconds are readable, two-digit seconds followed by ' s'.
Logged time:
2 h 57 min
